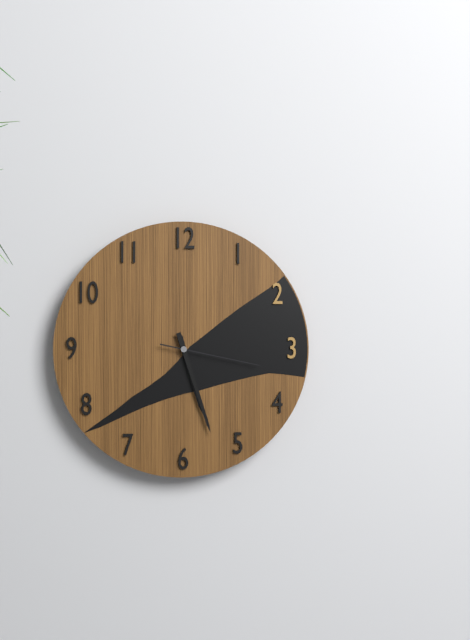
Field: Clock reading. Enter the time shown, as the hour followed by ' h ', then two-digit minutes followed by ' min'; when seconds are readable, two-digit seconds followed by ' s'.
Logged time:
5 h 27 min 17 s
